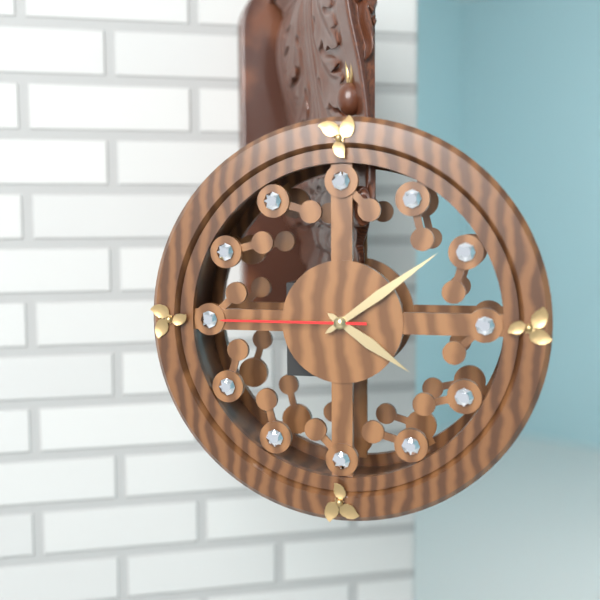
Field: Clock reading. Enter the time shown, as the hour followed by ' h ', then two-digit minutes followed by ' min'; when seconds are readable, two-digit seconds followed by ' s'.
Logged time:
4 h 09 min 45 s
